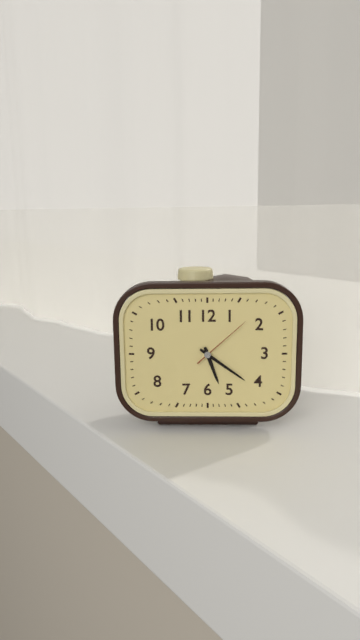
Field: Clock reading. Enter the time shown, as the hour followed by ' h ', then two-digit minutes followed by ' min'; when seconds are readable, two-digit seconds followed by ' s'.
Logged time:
5 h 21 min 08 s
